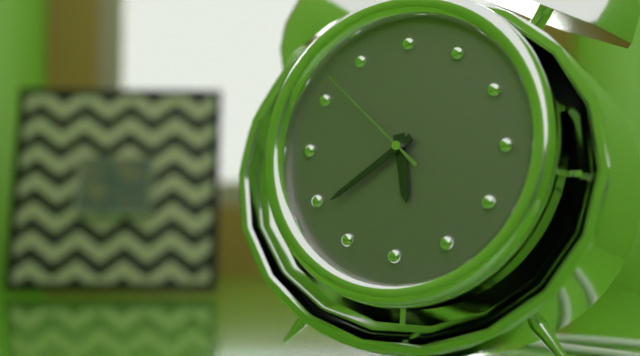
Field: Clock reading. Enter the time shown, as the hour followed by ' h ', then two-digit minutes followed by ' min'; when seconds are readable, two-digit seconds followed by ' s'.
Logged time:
5 h 39 min 52 s
